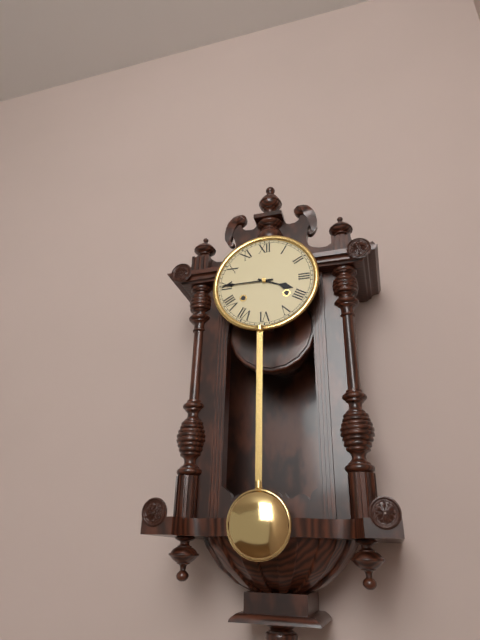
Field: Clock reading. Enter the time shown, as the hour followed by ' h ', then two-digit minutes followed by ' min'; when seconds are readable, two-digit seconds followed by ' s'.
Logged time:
3 h 45 min
